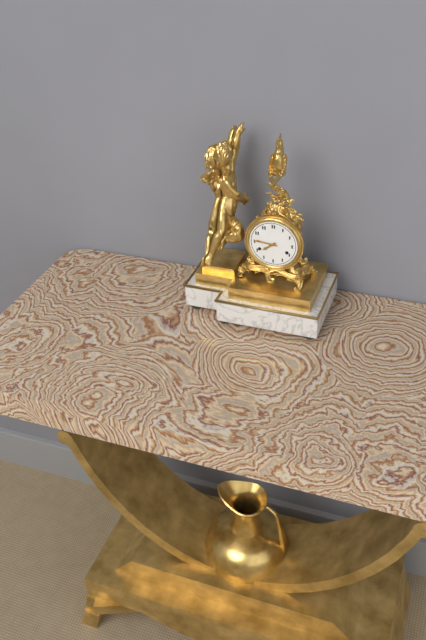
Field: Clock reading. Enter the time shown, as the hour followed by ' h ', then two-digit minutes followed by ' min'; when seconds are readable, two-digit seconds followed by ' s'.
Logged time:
7 h 46 min
